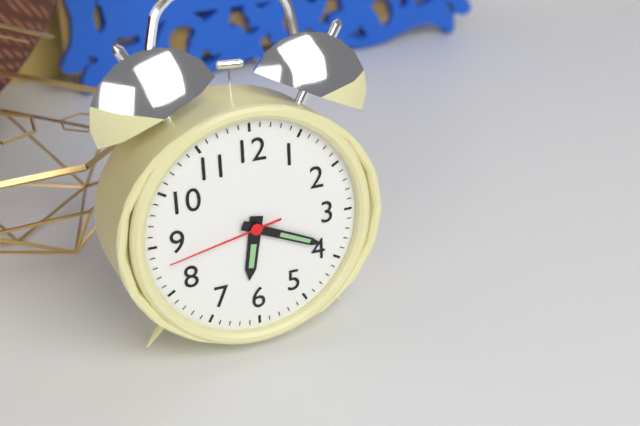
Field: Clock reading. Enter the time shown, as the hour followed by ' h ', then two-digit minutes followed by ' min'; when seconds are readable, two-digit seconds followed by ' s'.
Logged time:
6 h 19 min 43 s
